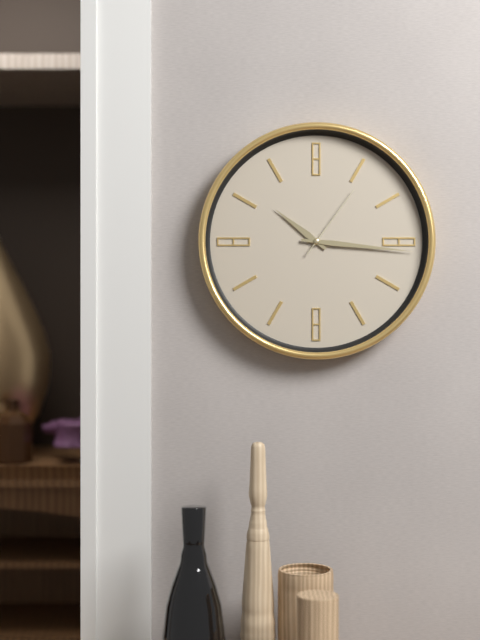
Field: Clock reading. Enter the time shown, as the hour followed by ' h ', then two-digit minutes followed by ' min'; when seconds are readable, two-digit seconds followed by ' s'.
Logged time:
10 h 16 min 06 s
